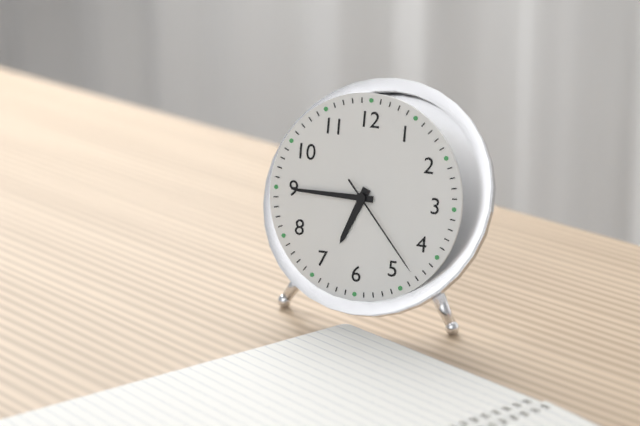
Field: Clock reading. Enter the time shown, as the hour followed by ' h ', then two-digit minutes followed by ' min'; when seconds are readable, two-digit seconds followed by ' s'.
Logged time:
6 h 45 min 23 s
